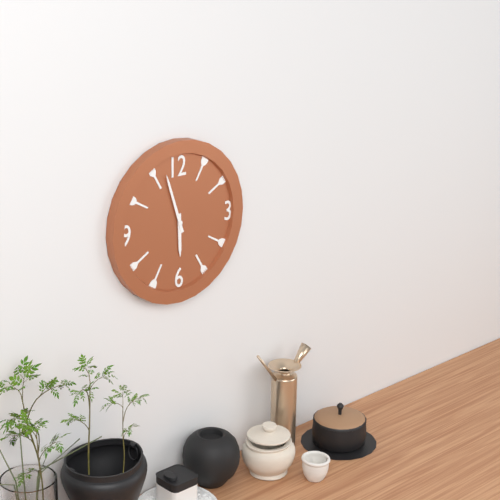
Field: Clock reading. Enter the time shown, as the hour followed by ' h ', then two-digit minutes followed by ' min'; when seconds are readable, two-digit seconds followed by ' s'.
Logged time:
5 h 57 min
